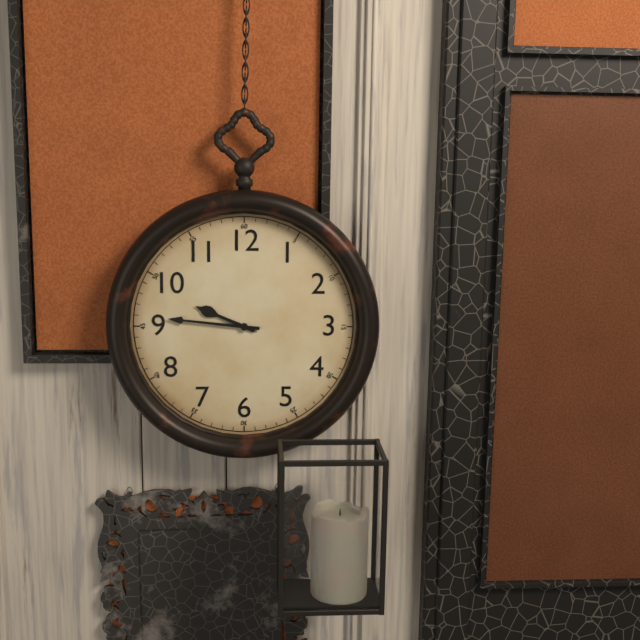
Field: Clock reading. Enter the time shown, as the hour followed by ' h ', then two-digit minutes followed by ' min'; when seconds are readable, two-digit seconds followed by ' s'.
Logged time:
9 h 46 min
